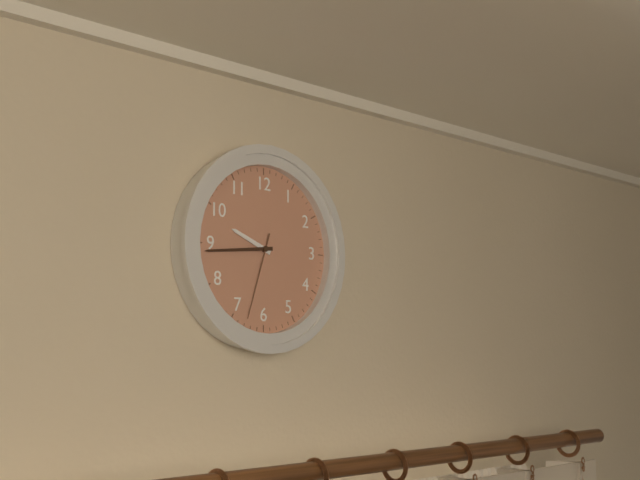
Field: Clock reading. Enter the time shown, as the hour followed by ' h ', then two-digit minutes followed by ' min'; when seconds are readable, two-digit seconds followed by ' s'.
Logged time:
9 h 44 min 33 s
